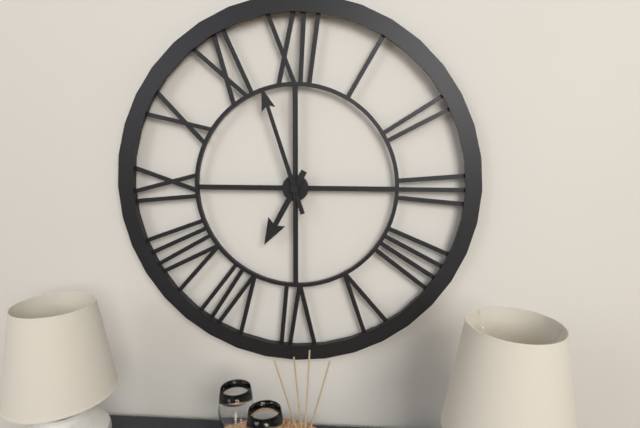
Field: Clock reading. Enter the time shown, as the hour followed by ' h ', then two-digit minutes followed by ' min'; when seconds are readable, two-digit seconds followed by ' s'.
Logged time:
6 h 57 min 00 s
